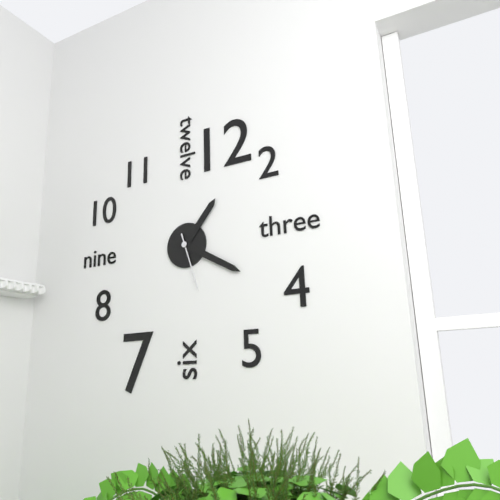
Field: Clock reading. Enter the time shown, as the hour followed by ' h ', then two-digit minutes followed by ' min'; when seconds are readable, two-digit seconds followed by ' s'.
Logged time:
1 h 20 min 27 s
